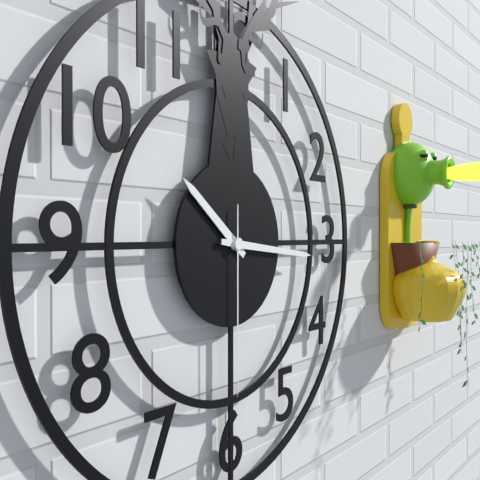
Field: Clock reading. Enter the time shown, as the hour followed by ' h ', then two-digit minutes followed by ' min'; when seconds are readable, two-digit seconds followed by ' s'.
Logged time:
10 h 16 min 30 s
